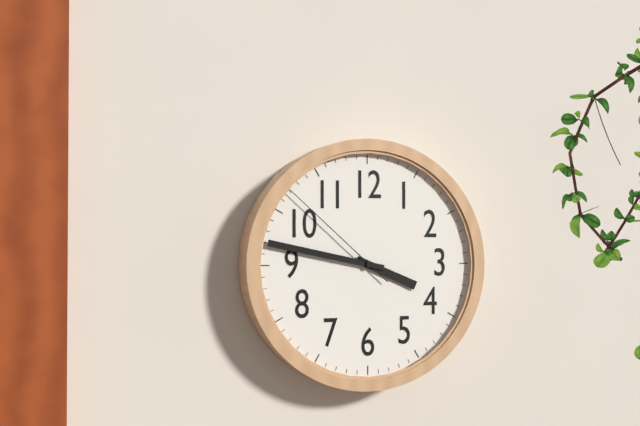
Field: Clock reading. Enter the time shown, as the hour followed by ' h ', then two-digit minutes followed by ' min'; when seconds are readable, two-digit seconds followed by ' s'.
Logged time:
3 h 47 min 52 s
